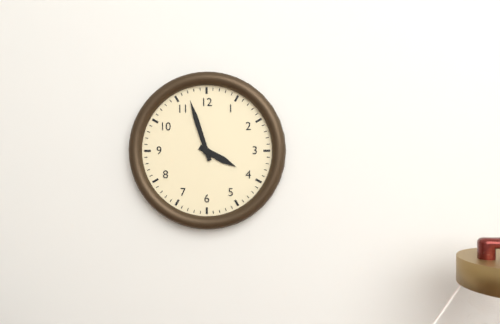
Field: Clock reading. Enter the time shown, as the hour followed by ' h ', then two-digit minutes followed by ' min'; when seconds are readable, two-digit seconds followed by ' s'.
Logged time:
3 h 57 min
